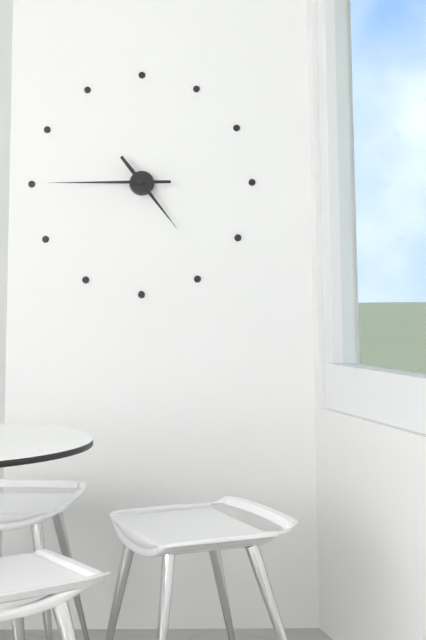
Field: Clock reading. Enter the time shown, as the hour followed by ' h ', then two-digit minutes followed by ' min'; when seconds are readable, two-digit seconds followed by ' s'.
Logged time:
4 h 45 min
